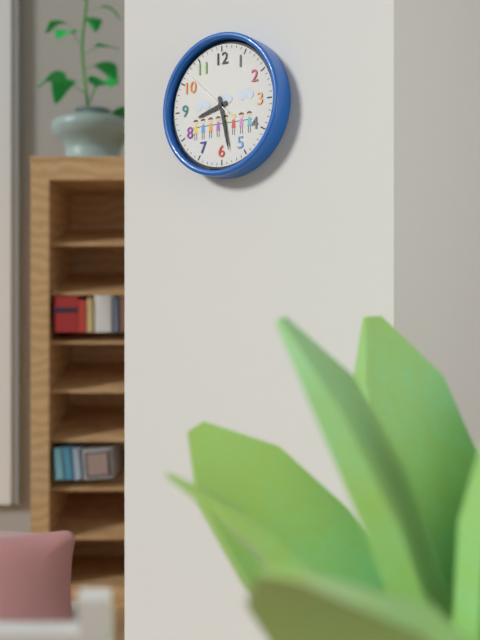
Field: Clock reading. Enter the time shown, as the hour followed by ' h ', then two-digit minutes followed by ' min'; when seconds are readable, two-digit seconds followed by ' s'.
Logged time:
8 h 28 min 52 s
